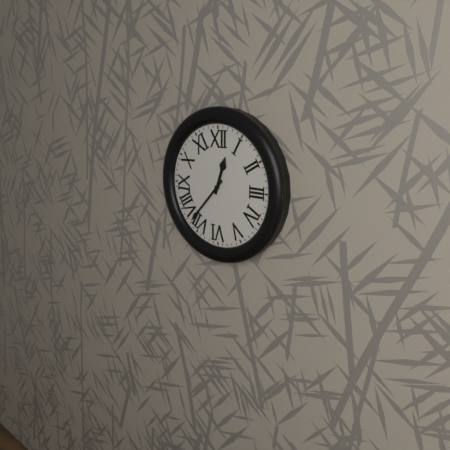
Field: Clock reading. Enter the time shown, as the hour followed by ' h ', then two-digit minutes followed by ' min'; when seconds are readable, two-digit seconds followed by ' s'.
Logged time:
12 h 37 min
